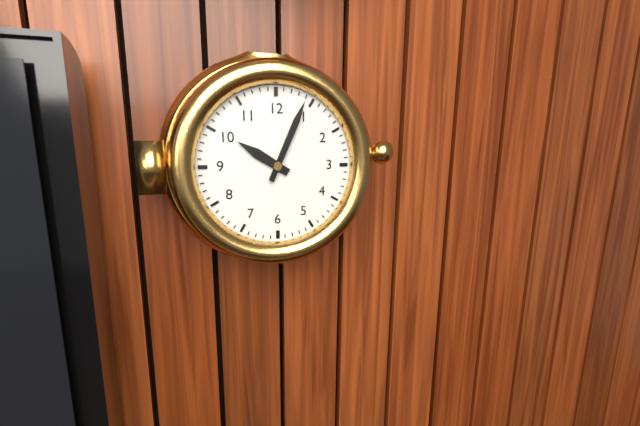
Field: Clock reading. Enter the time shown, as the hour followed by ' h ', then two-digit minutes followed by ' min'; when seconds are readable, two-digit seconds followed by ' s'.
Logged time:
10 h 04 min
